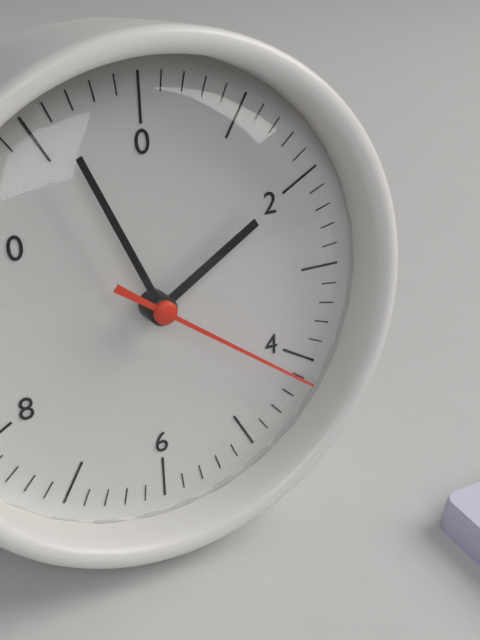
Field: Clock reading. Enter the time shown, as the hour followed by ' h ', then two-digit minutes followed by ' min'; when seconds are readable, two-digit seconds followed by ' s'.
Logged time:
1 h 56 min 21 s
